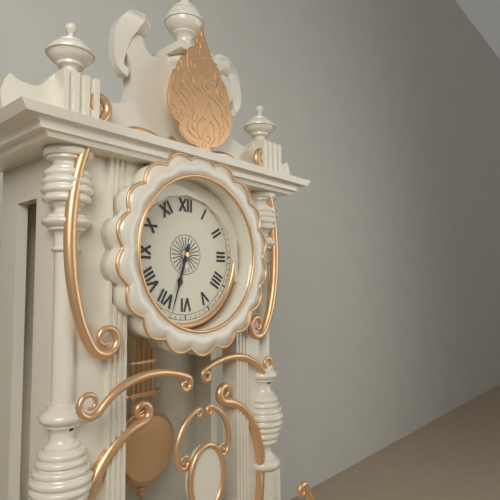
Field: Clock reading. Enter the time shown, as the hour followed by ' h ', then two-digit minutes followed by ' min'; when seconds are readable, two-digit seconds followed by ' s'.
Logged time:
6 h 33 min
